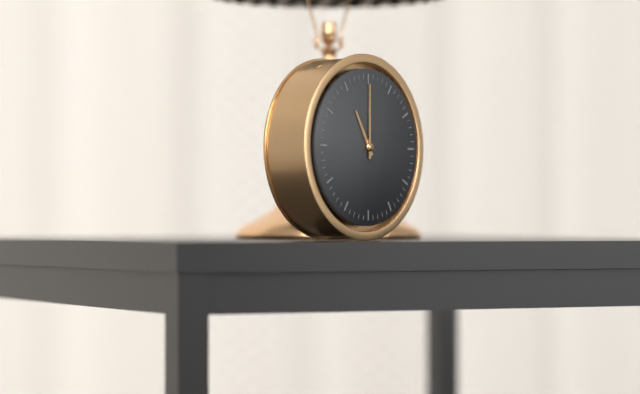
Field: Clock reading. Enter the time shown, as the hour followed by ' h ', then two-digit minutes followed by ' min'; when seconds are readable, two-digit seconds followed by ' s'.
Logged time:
11 h 00 min
